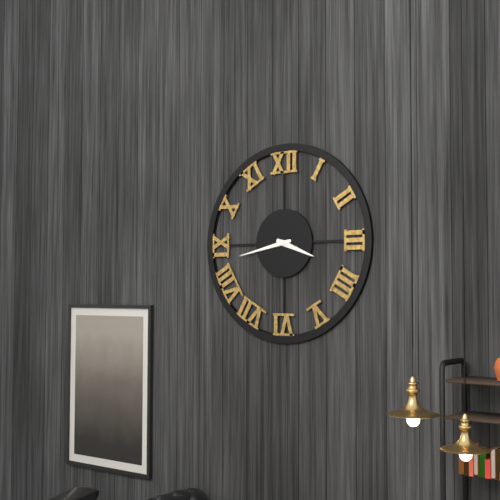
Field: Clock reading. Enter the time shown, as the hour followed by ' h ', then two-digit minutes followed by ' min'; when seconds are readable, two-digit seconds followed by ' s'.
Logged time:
3 h 43 min
